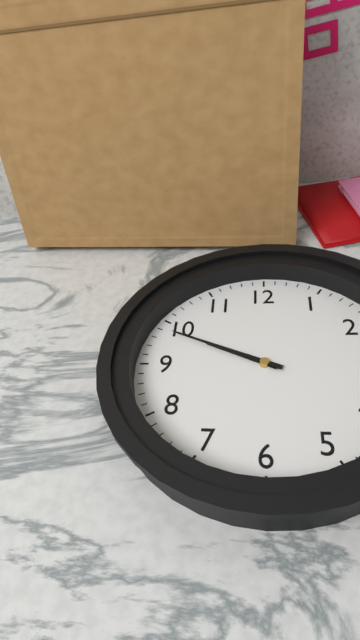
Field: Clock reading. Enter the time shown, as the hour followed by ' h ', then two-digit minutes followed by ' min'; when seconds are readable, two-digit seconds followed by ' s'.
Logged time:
9 h 49 min
